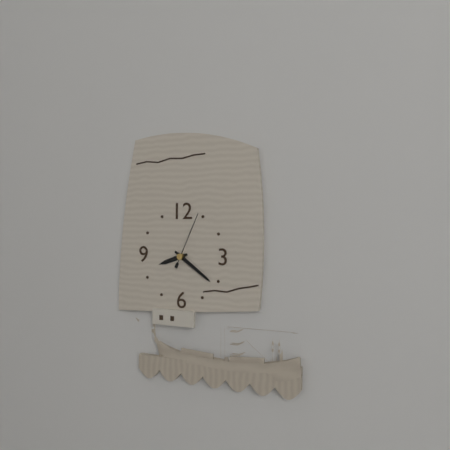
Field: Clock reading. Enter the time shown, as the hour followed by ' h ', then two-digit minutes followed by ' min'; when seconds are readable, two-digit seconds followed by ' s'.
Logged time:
8 h 21 min 04 s
